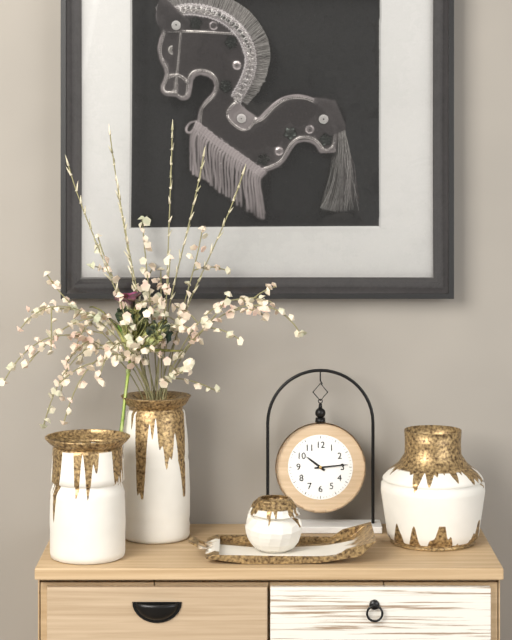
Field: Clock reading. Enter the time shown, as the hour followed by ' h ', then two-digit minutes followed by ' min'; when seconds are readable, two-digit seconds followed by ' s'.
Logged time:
10 h 14 min
